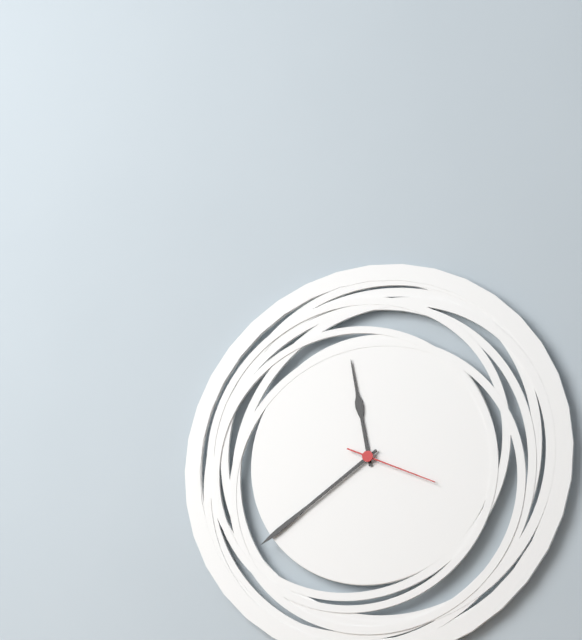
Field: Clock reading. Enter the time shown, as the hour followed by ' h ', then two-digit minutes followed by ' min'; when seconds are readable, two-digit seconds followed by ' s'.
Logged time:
11 h 39 min 19 s
